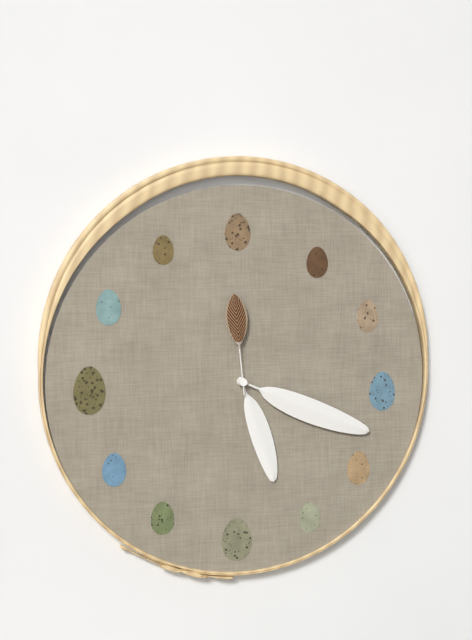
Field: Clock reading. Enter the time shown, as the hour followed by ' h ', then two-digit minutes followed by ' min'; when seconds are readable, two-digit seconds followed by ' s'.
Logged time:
5 h 19 min 59 s
